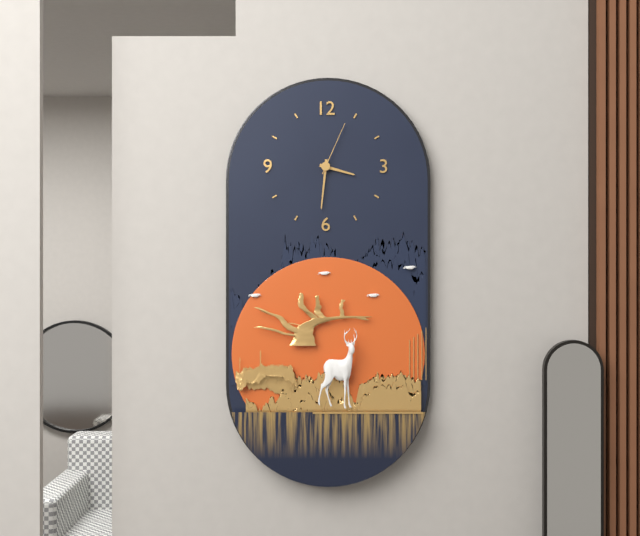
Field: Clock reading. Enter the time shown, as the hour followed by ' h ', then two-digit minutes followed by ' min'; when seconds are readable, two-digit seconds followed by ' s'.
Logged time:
3 h 31 min 04 s
